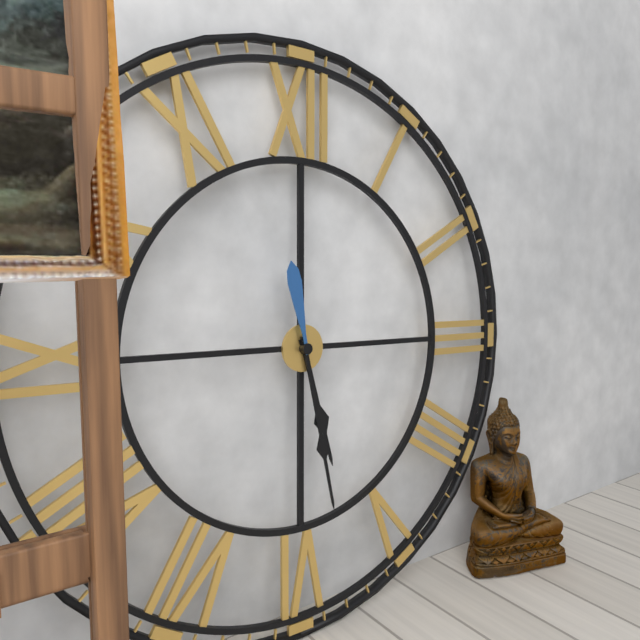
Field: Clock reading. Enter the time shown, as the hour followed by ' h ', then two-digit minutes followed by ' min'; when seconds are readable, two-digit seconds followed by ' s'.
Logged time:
5 h 28 min 58 s
